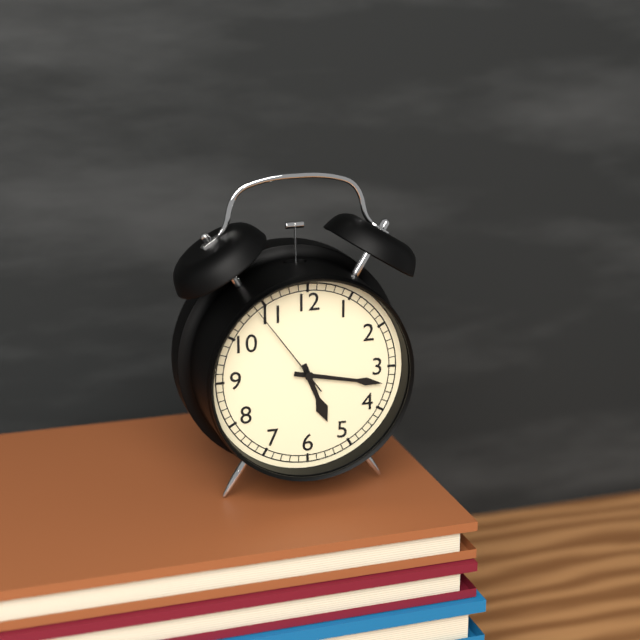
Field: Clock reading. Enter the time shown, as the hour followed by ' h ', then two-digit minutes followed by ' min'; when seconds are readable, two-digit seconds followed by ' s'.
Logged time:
5 h 17 min 54 s
